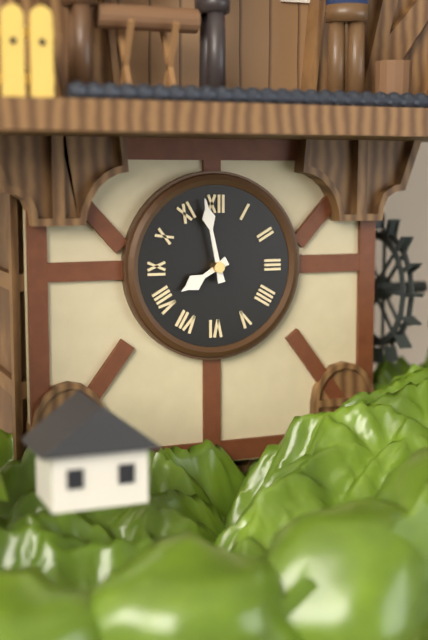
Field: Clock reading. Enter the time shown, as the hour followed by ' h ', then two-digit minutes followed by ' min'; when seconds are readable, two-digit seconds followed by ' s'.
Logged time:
7 h 58 min
